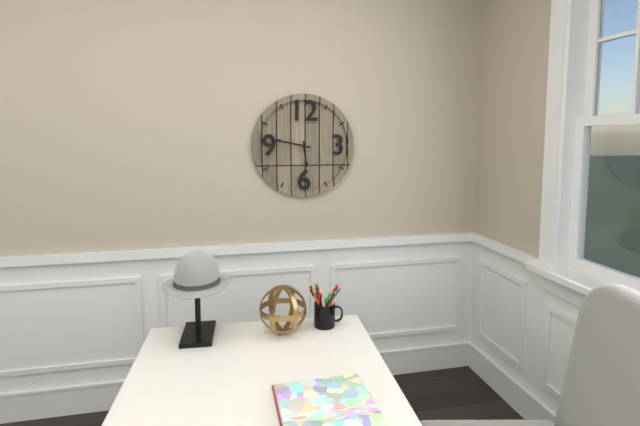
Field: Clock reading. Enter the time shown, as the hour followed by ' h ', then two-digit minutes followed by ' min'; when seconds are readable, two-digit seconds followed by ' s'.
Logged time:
5 h 47 min
